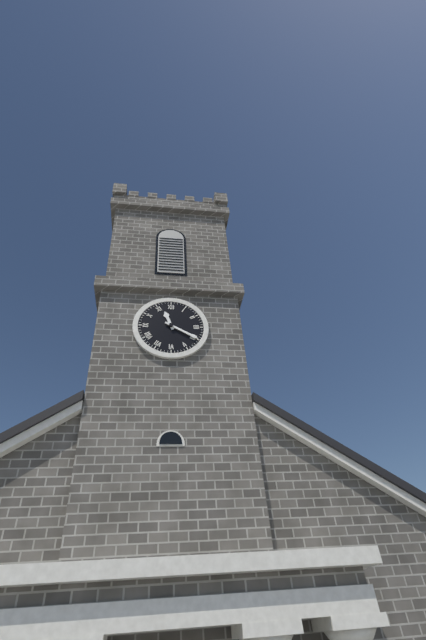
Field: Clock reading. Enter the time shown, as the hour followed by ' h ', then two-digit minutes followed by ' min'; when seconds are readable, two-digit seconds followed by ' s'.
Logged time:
11 h 20 min
